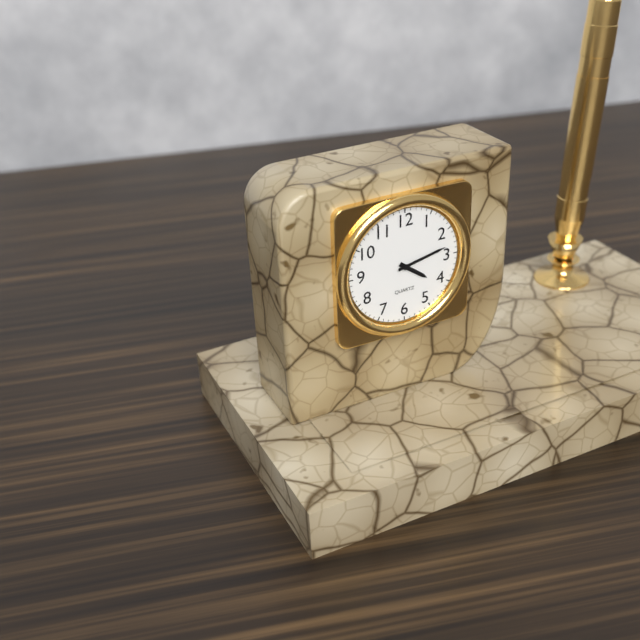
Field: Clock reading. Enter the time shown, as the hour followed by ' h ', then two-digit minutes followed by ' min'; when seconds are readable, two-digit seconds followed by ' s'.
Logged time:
4 h 13 min
